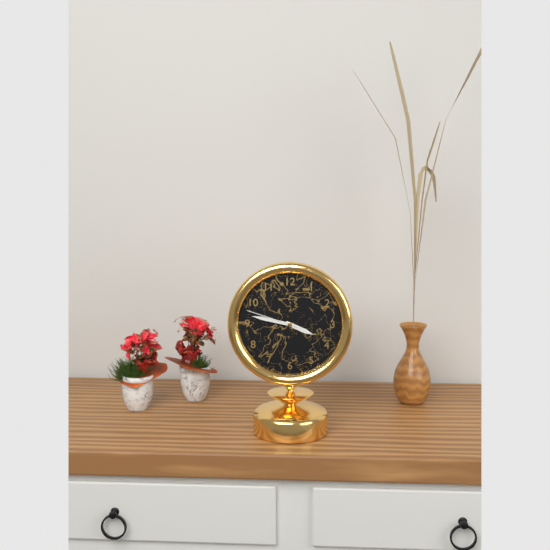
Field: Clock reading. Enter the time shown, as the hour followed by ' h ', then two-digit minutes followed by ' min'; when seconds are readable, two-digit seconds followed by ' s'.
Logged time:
3 h 47 min 48 s
